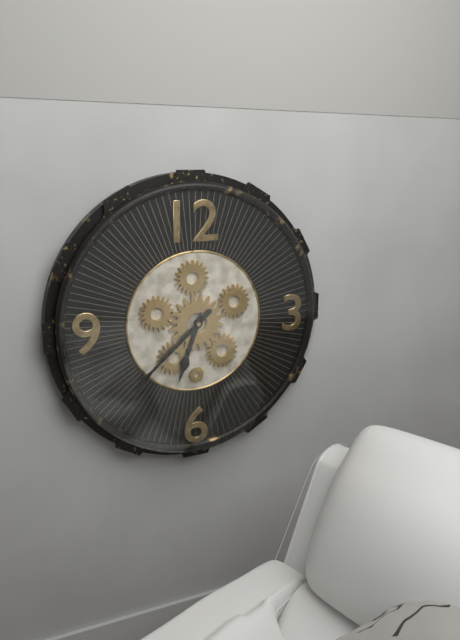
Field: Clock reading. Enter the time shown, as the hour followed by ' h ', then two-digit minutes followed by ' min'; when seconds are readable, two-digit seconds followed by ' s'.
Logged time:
6 h 38 min
